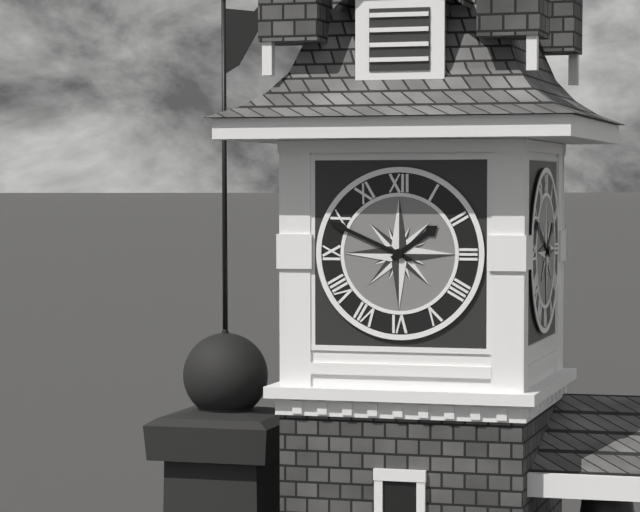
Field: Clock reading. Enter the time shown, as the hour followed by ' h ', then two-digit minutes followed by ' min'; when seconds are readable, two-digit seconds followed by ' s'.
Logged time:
1 h 49 min
